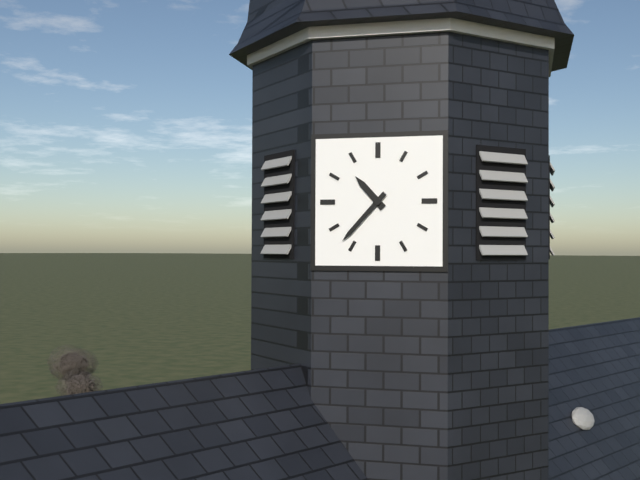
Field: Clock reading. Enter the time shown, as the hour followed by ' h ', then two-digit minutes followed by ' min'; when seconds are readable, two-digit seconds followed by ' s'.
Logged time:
10 h 37 min
